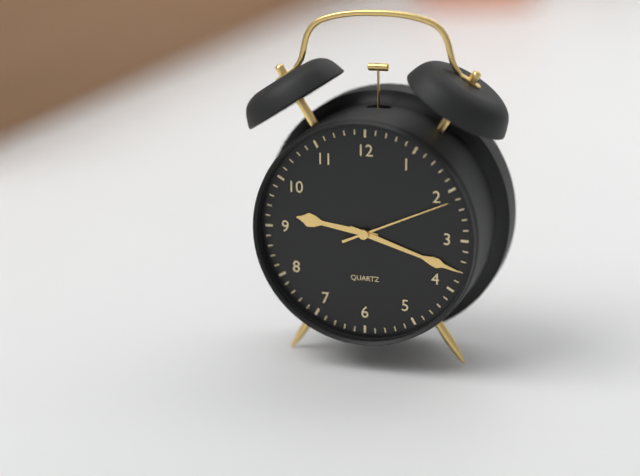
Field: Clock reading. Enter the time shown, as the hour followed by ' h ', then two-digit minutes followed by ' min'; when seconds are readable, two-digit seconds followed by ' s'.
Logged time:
9 h 18 min 11 s
